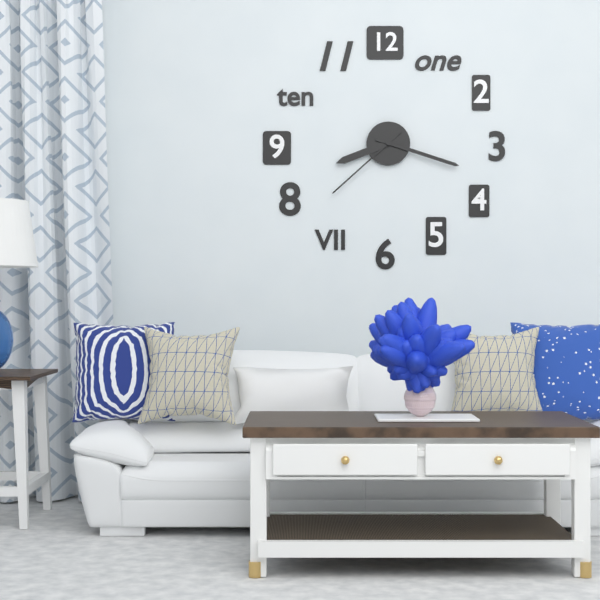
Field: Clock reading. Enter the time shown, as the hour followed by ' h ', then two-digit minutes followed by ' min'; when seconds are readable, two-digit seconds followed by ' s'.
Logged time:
8 h 18 min 38 s
